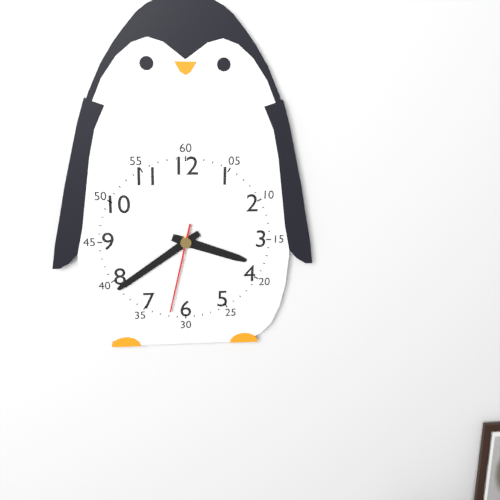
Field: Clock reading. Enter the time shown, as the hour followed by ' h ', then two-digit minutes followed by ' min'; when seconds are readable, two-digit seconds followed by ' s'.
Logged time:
3 h 39 min 32 s
